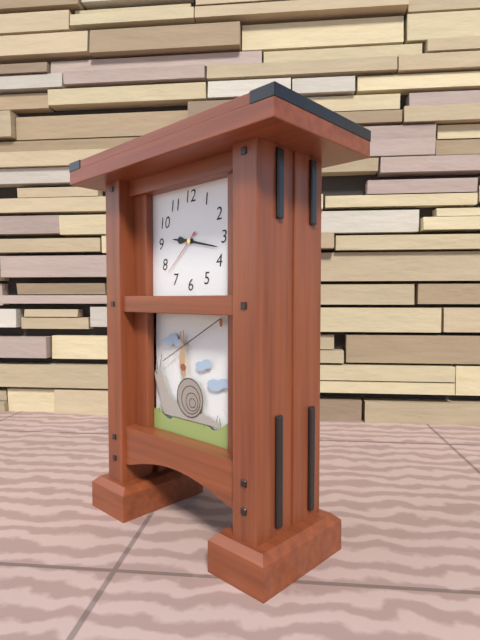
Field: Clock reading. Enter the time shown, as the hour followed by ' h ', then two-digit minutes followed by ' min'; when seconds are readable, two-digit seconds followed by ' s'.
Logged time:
9 h 17 min
